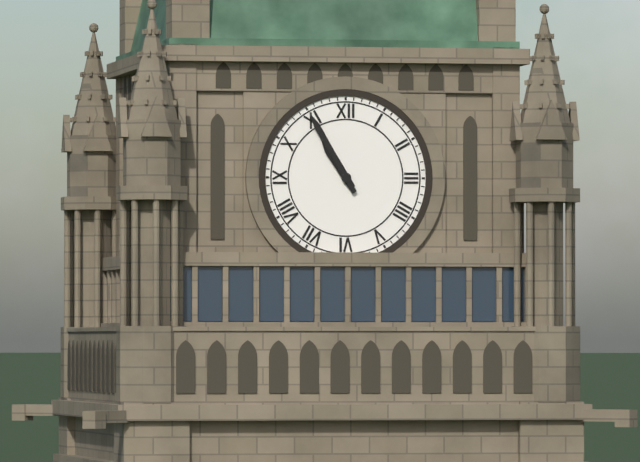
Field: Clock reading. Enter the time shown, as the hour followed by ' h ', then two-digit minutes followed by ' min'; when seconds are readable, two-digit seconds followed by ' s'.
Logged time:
10 h 55 min
